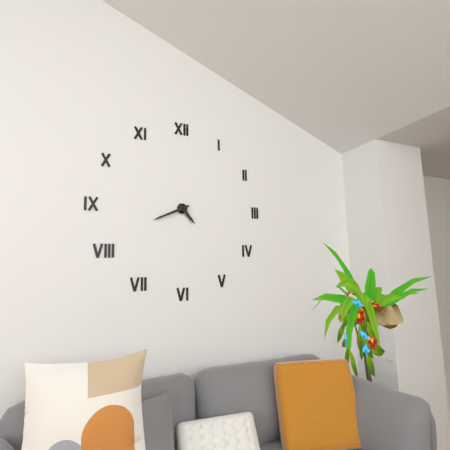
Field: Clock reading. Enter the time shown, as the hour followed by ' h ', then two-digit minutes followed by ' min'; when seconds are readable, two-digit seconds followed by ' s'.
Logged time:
4 h 41 min
